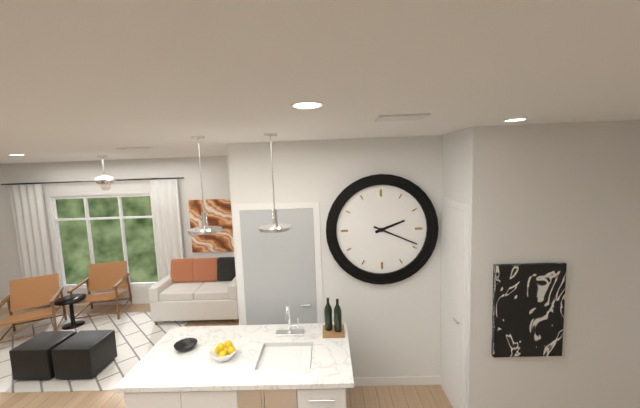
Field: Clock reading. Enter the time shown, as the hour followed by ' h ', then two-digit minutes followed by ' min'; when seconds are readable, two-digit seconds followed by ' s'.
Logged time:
2 h 19 min
